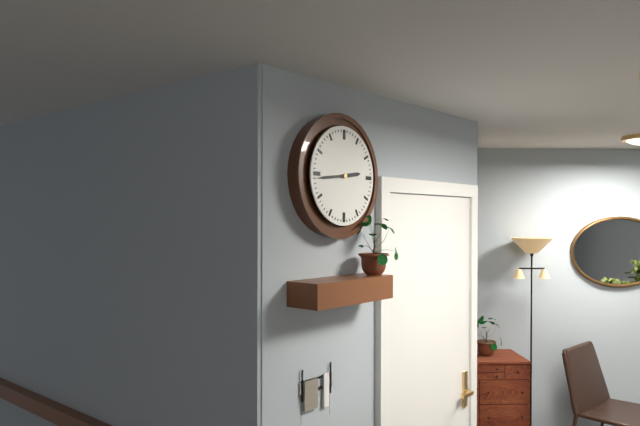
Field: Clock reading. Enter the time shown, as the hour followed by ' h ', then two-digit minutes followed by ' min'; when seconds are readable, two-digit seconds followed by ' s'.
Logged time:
2 h 44 min
